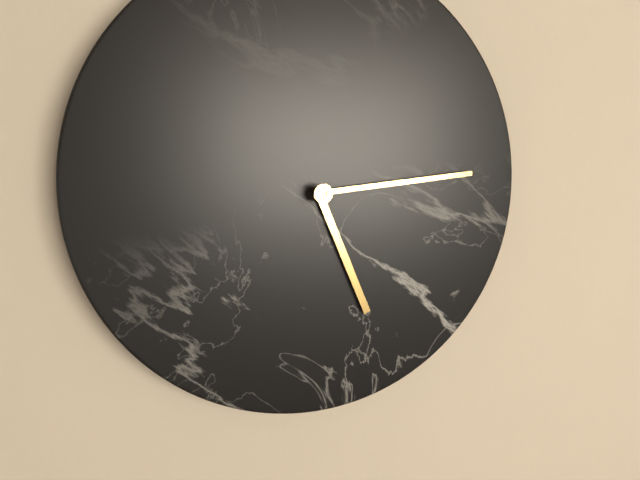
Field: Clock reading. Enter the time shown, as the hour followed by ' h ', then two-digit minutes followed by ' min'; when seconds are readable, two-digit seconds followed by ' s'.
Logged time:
5 h 14 min
